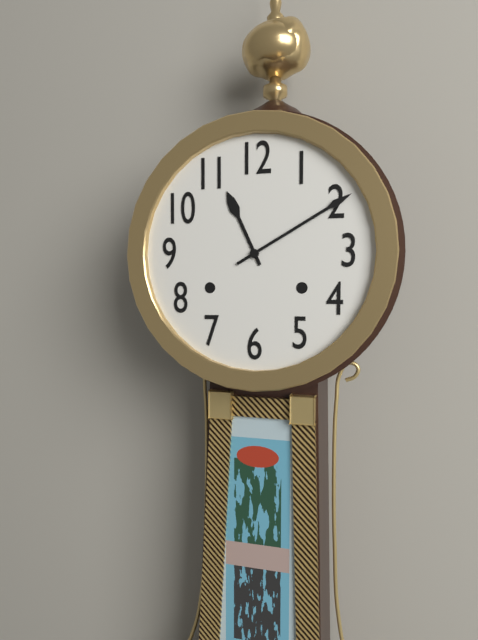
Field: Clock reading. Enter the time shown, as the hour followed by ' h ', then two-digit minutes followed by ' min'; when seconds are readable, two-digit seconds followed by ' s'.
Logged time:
11 h 10 min
